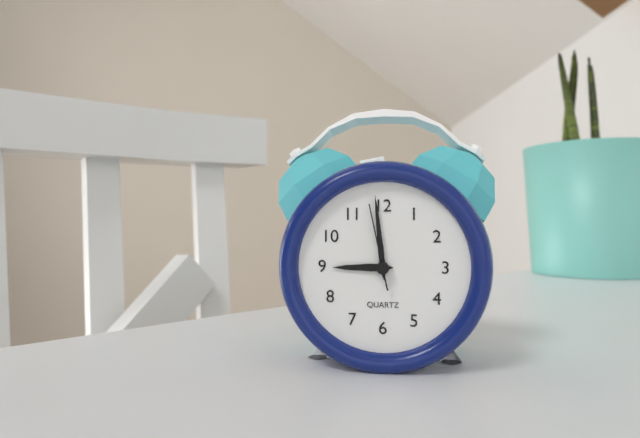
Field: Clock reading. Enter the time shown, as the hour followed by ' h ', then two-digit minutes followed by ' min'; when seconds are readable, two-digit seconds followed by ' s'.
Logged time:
8 h 59 min 58 s
